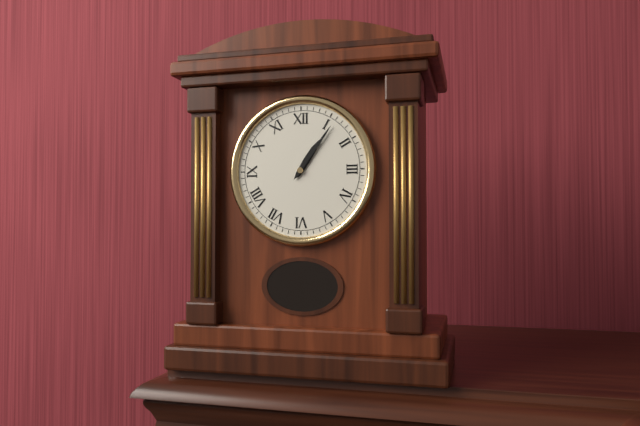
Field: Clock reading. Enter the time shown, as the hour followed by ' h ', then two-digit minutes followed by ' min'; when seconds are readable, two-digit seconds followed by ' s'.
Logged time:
1 h 06 min
